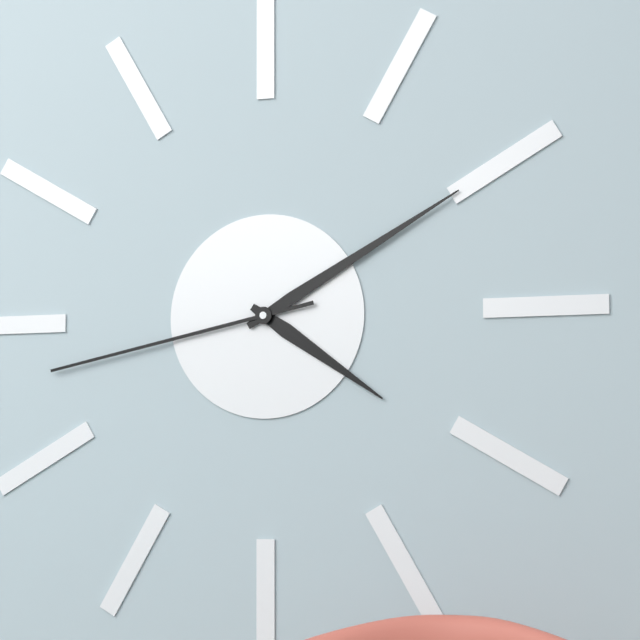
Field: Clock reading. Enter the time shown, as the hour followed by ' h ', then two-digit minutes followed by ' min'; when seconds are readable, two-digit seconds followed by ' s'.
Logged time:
4 h 10 min 43 s
